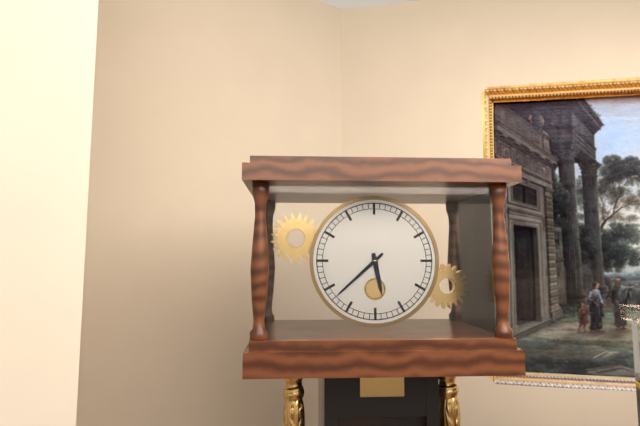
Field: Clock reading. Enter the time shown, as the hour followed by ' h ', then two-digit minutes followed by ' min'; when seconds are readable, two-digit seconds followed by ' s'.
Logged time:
5 h 38 min
